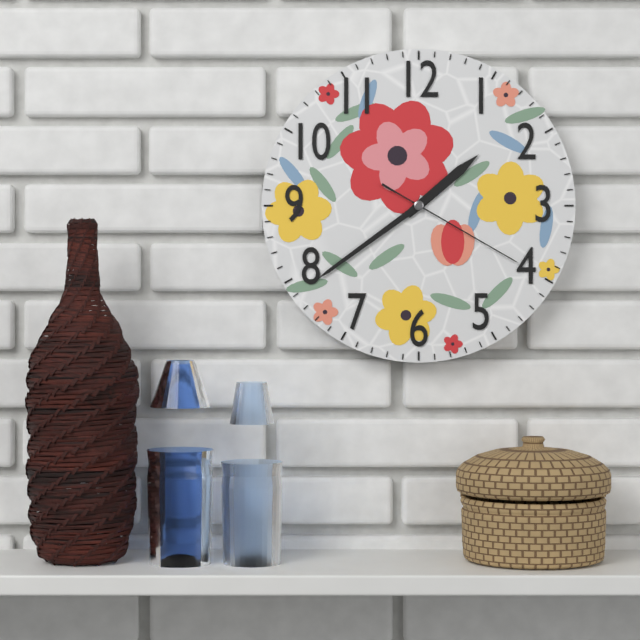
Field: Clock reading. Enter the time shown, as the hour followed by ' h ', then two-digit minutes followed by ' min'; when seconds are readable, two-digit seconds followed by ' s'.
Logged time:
1 h 39 min 20 s
